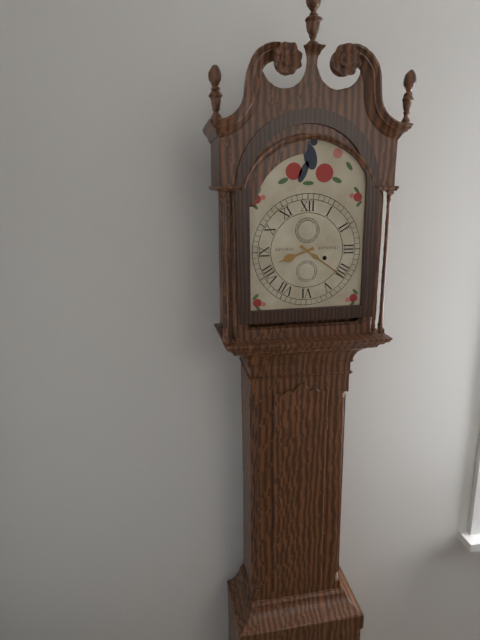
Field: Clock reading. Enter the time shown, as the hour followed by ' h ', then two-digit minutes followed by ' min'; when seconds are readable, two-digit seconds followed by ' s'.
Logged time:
8 h 21 min
